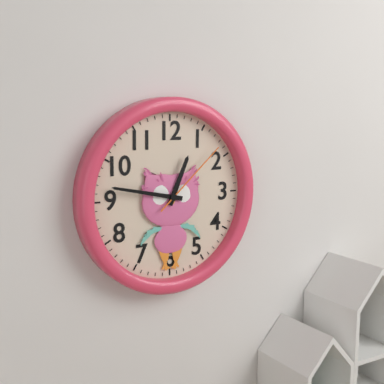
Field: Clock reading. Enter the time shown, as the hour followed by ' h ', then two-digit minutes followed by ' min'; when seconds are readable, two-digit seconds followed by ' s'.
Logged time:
12 h 47 min 08 s
